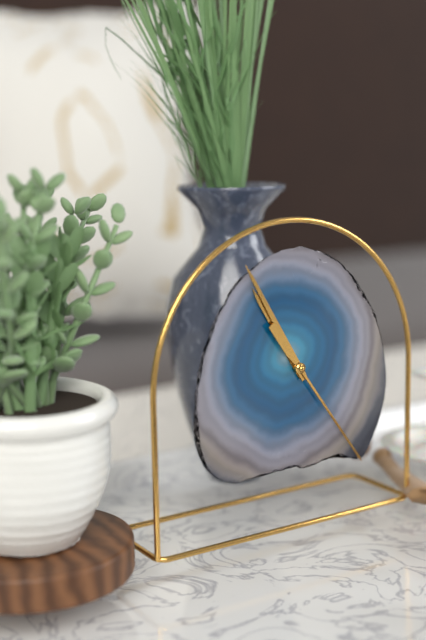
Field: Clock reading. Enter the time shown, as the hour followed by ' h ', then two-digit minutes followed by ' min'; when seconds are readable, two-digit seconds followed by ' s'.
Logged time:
10 h 55 min 24 s
